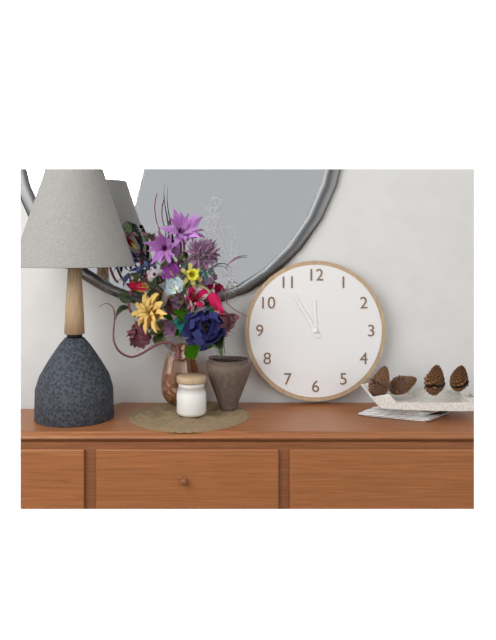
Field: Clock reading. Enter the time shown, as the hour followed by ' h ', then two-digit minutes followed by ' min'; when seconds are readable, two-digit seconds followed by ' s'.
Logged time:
11 h 55 min
